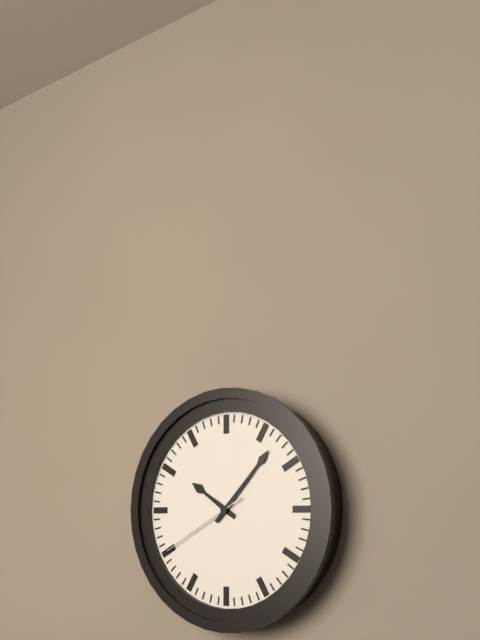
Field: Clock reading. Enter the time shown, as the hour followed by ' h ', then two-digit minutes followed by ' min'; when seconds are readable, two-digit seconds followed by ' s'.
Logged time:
10 h 07 min 40 s
